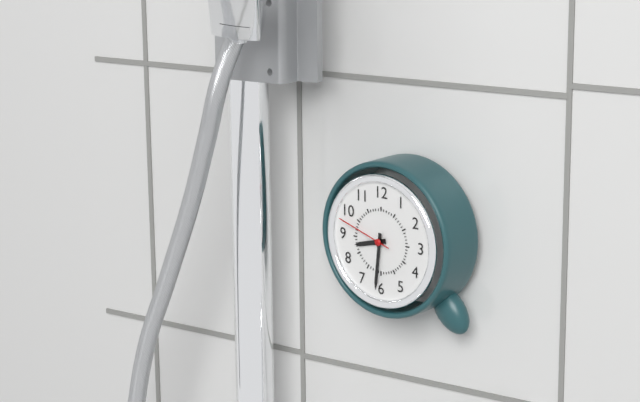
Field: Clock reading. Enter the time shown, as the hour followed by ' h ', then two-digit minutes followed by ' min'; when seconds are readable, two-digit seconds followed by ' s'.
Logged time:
8 h 31 min 48 s
